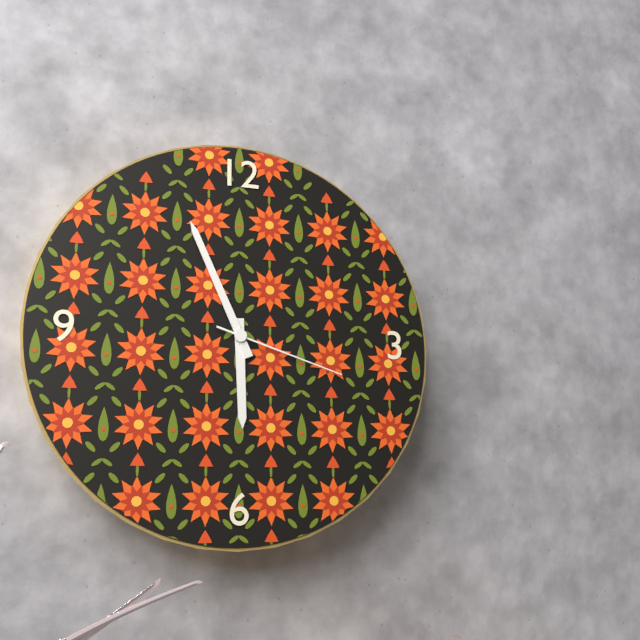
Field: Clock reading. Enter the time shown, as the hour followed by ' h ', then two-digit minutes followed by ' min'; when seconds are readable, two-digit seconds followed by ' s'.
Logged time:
5 h 56 min 18 s
